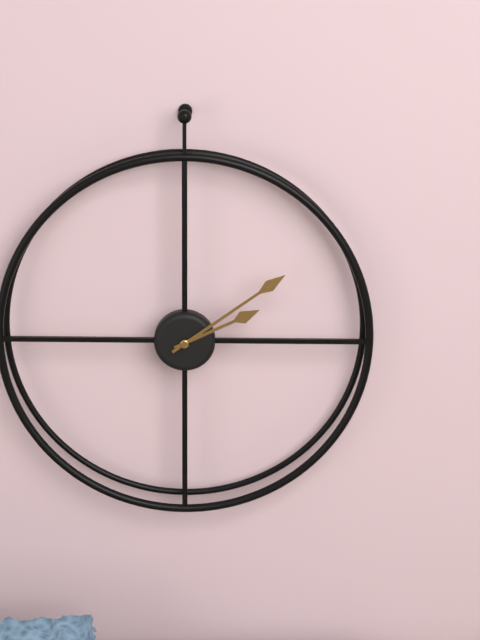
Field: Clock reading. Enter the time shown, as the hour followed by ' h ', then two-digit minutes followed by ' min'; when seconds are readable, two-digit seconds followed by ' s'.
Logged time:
2 h 09 min
